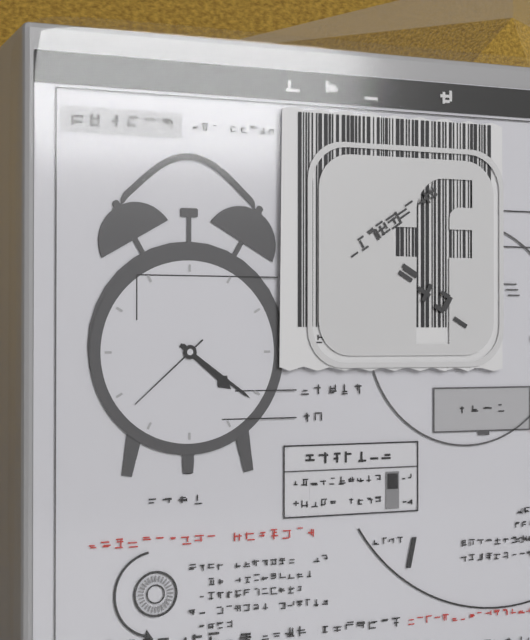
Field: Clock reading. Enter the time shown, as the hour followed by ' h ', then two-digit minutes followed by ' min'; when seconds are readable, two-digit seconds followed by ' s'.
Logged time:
4 h 21 min 38 s
